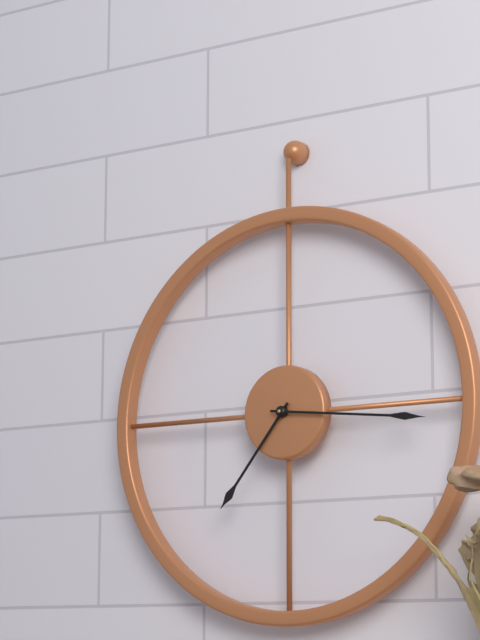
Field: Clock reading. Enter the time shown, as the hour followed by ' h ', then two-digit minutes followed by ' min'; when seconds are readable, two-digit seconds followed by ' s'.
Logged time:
7 h 16 min
